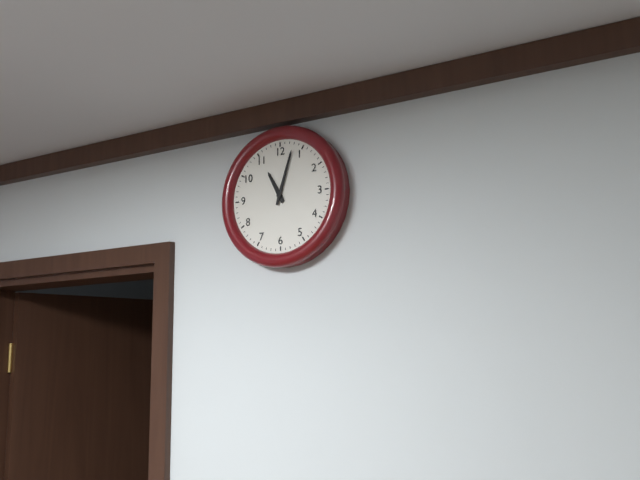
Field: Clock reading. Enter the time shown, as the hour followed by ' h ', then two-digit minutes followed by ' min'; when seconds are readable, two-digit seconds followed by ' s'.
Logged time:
11 h 03 min
